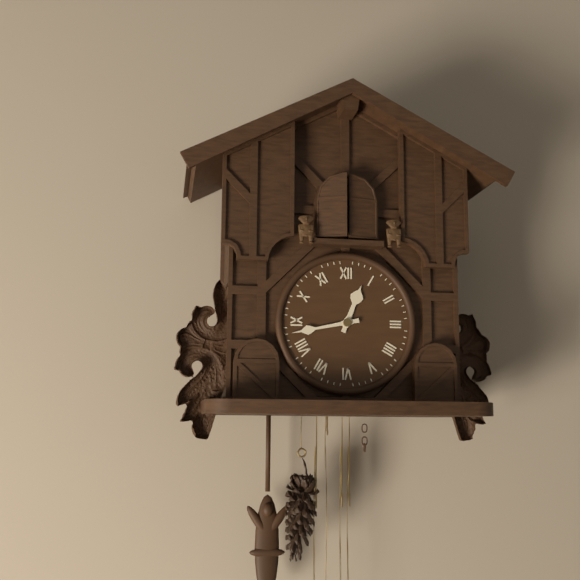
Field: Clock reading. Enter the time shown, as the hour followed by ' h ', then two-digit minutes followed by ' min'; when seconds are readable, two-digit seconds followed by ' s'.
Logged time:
12 h 43 min
